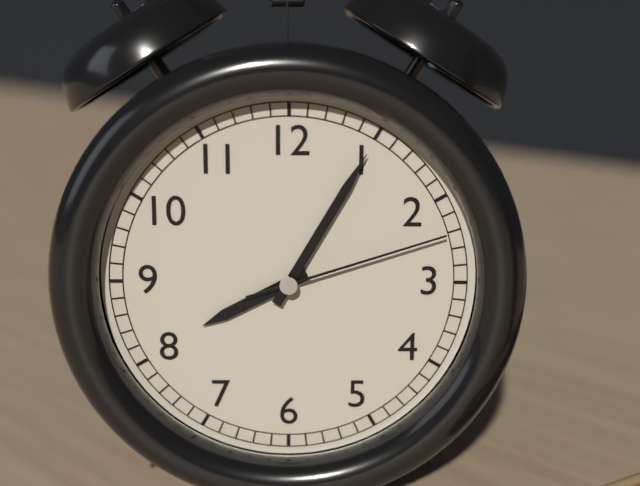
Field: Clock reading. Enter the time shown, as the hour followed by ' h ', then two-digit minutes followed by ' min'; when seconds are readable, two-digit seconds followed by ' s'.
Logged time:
8 h 05 min 12 s
